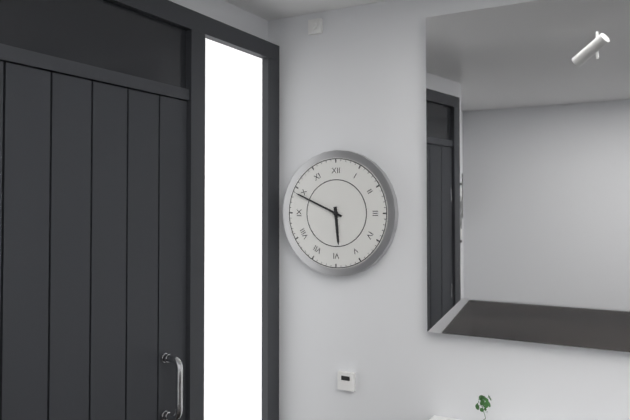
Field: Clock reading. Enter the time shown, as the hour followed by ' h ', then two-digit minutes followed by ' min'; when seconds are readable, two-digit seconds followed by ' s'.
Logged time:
5 h 49 min
